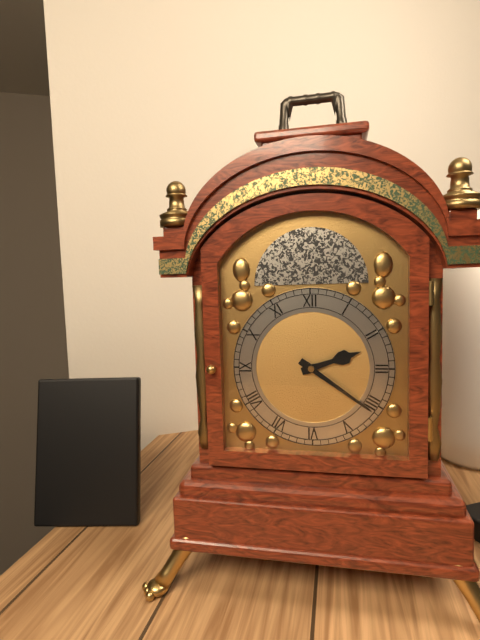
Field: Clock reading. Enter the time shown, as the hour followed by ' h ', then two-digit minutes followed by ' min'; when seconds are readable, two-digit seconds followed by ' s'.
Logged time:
2 h 21 min
